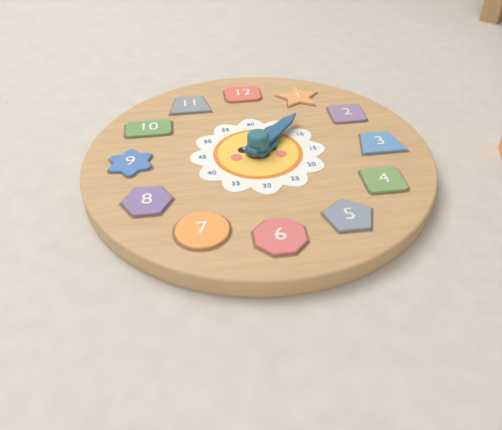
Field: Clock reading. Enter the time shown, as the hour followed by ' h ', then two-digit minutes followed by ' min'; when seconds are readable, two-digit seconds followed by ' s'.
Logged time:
1 h 07 min
